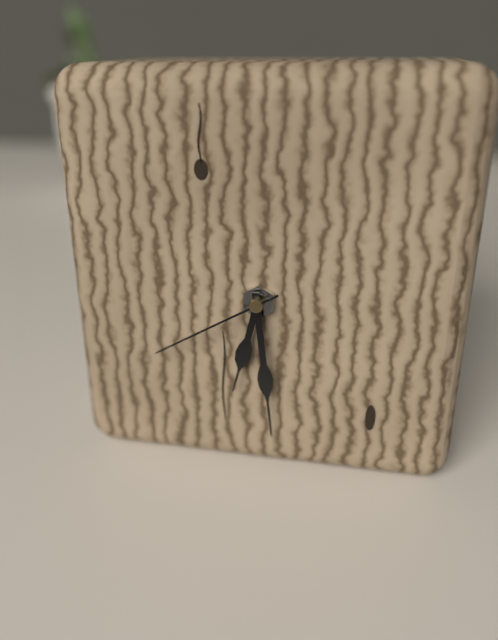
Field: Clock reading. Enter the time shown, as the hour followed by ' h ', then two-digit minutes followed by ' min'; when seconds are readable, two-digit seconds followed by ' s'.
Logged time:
6 h 29 min 40 s
